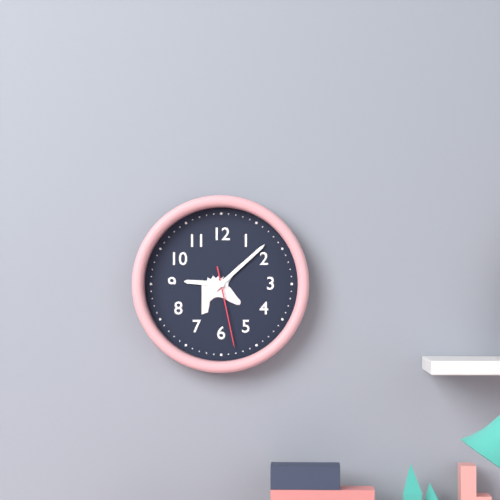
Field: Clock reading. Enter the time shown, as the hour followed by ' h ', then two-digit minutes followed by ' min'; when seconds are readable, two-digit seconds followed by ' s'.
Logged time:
9 h 08 min 28 s
